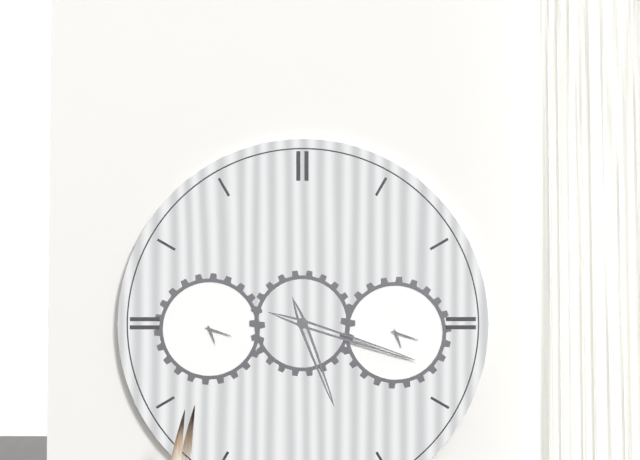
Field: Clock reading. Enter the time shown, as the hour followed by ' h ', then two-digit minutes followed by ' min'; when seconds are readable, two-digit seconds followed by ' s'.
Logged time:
5 h 18 min
